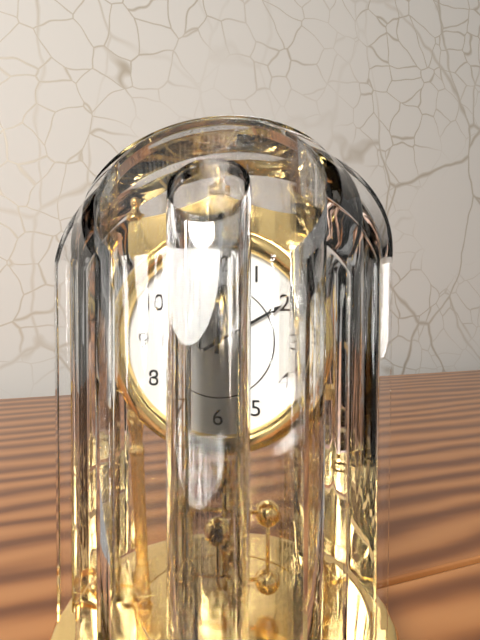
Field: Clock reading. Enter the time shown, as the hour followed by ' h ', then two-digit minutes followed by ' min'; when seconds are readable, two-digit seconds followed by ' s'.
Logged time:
12 h 10 min
